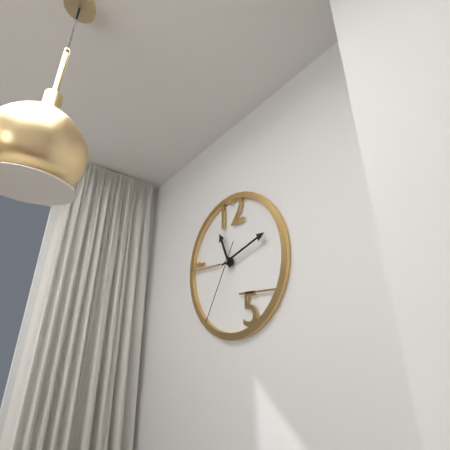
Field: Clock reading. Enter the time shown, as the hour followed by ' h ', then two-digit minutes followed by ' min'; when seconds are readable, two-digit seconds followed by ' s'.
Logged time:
11 h 12 min 35 s
